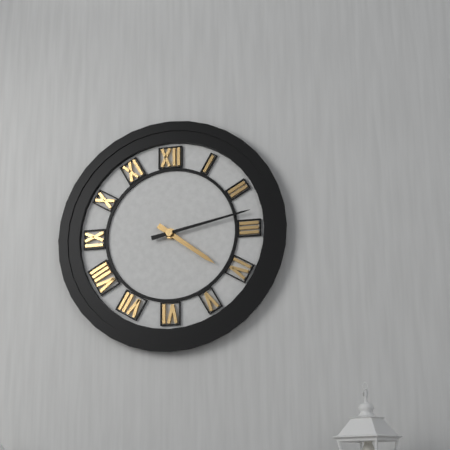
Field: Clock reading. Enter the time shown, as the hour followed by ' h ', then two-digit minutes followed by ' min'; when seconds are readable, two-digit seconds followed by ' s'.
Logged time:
4 h 13 min
